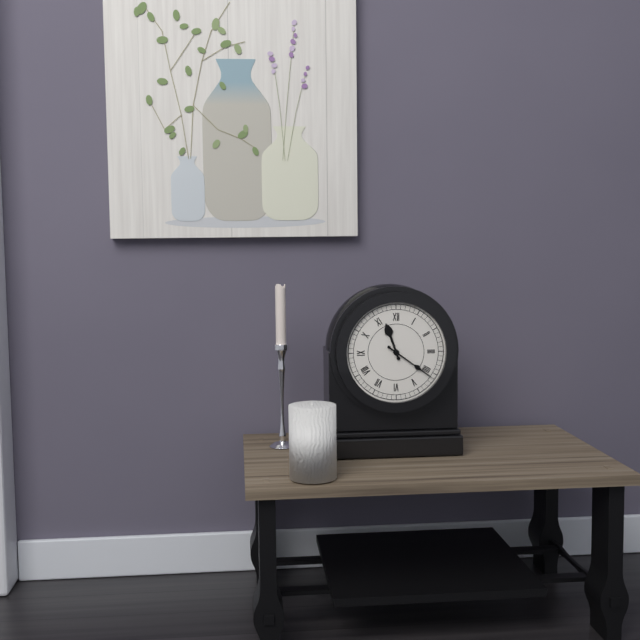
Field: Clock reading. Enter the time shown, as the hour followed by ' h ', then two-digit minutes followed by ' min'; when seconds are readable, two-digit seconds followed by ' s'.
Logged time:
11 h 21 min
